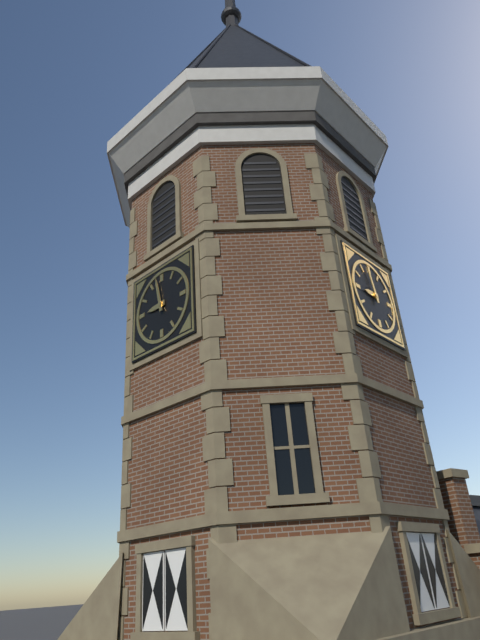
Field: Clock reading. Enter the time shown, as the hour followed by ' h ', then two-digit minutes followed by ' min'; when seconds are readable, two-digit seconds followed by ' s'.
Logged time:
8 h 58 min
